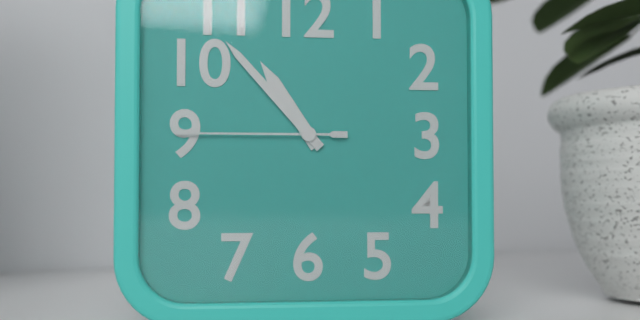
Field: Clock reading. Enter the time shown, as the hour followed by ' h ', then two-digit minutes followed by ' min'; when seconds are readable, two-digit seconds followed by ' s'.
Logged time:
10 h 53 min 45 s
